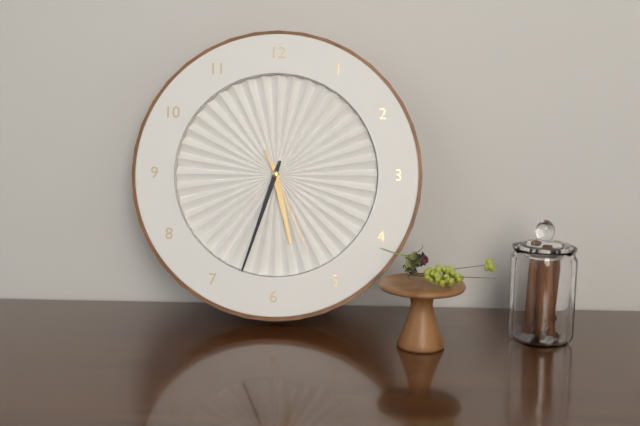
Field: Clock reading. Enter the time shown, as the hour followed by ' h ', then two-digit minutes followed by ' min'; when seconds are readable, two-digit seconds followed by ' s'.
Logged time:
5 h 33 min 26 s
